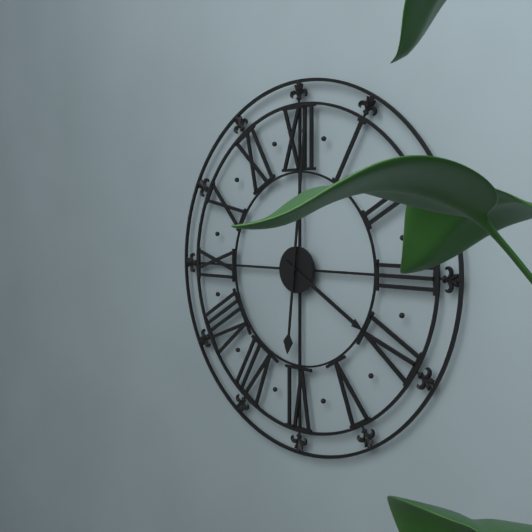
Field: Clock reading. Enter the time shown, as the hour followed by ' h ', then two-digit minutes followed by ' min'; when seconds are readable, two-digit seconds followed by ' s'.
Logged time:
4 h 01 min
